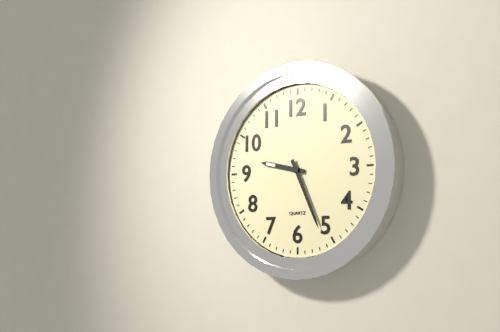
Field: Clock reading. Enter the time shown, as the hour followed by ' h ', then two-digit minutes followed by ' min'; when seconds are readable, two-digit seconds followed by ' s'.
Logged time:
9 h 26 min
